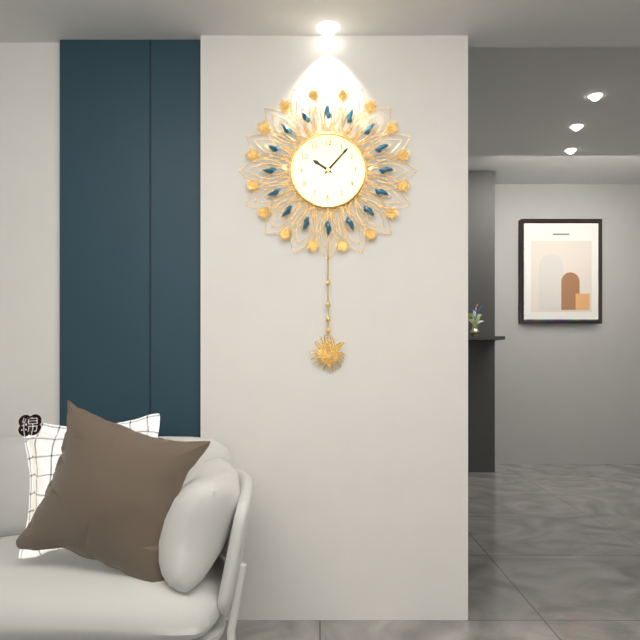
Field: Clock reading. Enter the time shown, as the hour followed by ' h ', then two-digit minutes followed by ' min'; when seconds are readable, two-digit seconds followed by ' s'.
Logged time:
10 h 07 min
